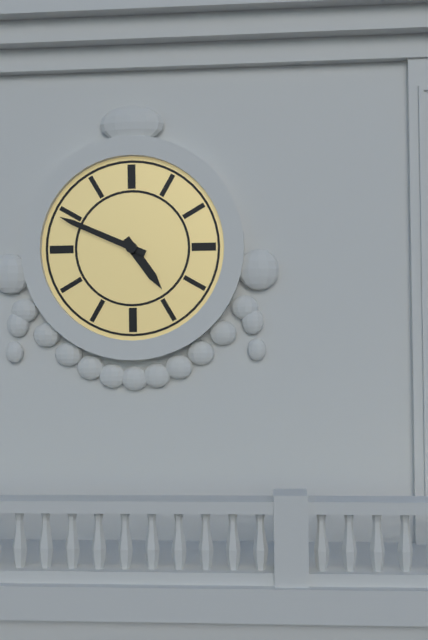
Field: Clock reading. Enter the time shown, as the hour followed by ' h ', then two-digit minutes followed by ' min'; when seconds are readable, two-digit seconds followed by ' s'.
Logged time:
4 h 49 min
